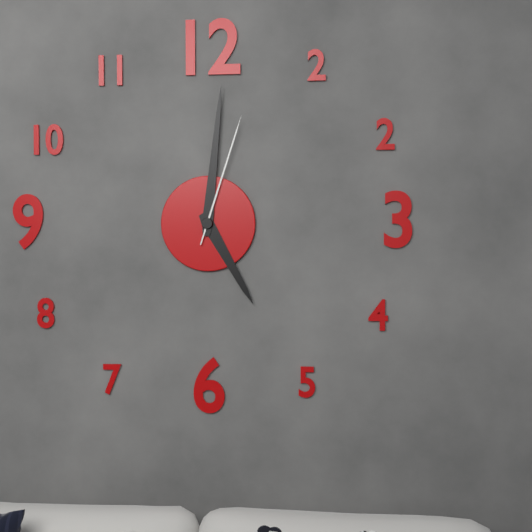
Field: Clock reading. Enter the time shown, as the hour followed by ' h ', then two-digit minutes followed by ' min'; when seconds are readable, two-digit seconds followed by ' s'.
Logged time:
5 h 01 min 03 s
